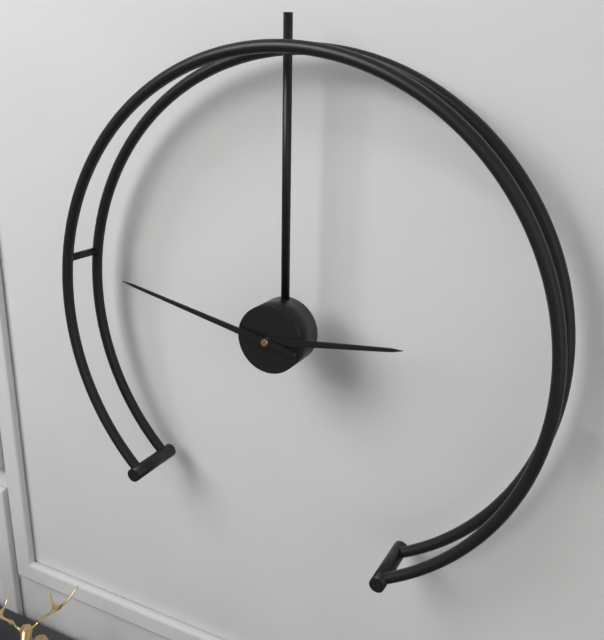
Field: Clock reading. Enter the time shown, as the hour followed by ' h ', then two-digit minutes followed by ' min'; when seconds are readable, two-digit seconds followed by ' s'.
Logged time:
2 h 47 min
